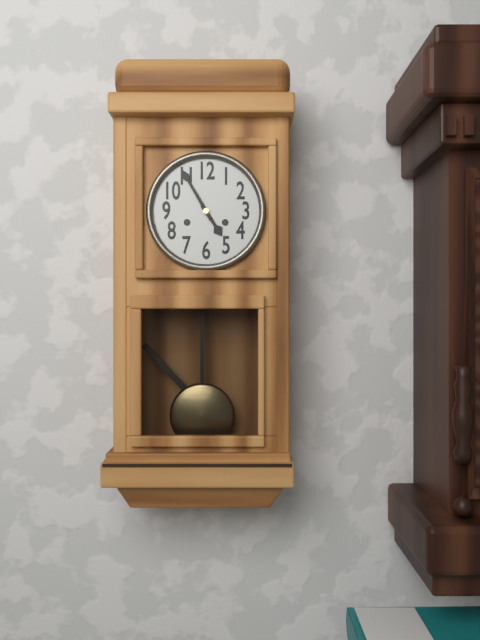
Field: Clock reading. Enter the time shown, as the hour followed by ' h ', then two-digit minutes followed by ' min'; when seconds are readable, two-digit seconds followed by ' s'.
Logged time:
4 h 55 min
